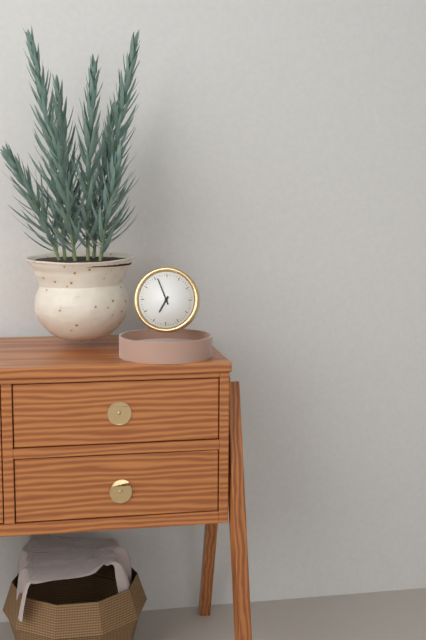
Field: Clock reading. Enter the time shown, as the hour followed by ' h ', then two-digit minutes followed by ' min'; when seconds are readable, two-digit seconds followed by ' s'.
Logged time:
6 h 56 min
